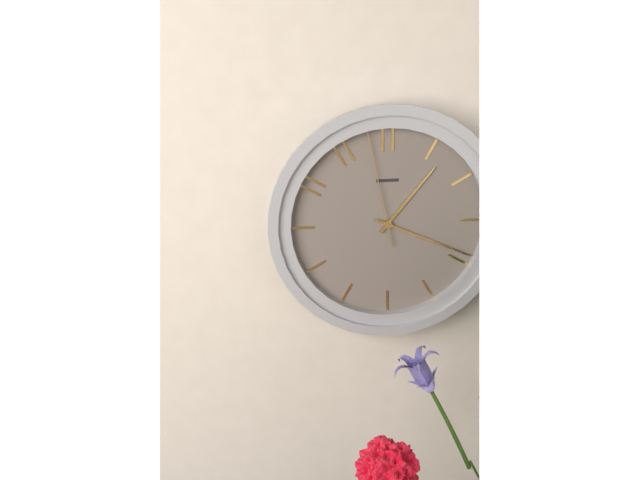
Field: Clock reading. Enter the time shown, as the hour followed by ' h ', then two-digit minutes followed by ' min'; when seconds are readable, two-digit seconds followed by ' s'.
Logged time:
1 h 19 min 58 s
